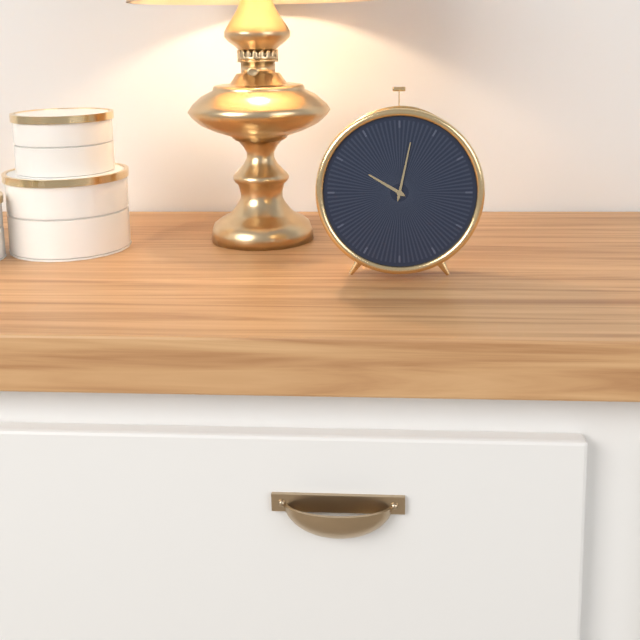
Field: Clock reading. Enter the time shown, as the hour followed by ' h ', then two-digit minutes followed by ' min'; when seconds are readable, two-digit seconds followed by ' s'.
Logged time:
10 h 02 min
